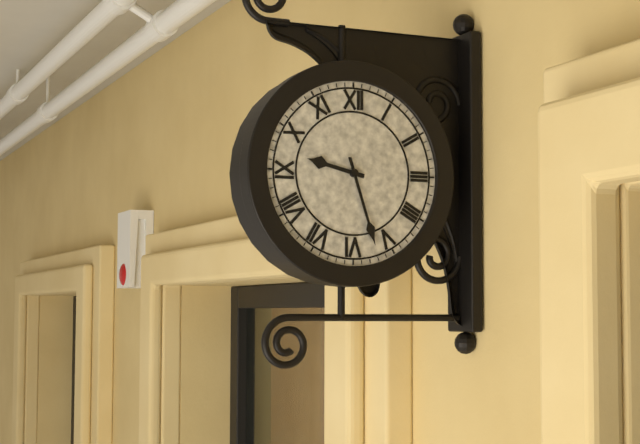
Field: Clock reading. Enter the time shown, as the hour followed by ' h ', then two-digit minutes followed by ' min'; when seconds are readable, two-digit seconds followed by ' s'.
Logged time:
9 h 27 min
